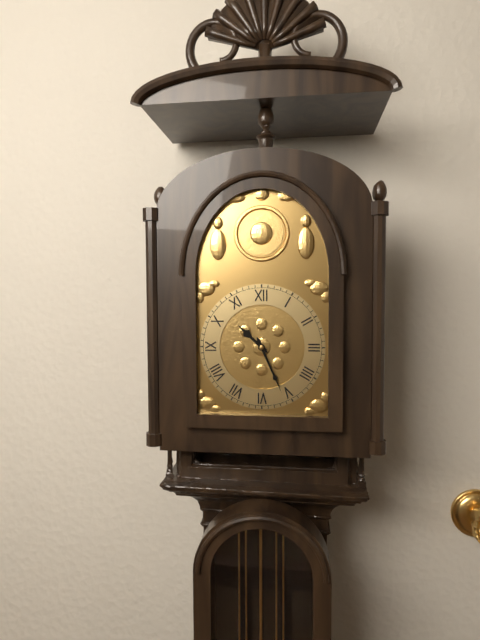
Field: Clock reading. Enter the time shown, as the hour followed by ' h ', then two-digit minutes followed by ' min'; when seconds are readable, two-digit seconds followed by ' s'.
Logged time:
10 h 26 min
